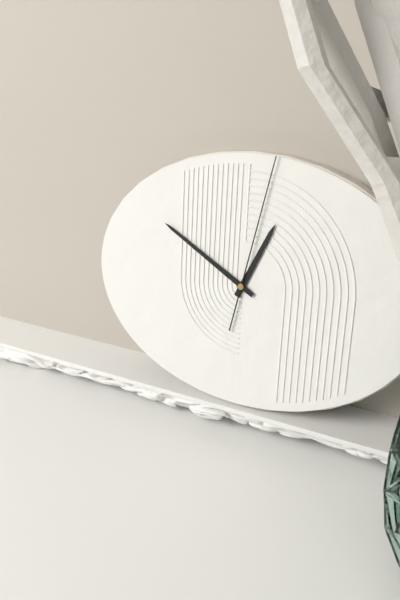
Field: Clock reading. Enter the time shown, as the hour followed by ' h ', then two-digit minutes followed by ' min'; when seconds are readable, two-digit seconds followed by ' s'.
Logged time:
12 h 50 min 02 s
